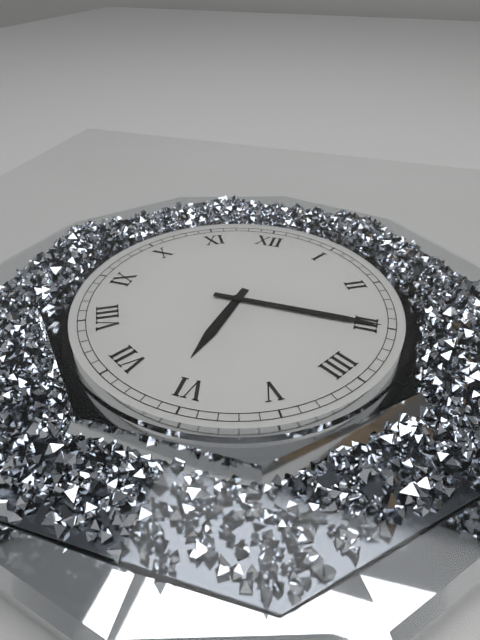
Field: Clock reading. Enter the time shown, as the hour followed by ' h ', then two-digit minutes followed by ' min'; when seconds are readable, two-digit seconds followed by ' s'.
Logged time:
6 h 15 min
